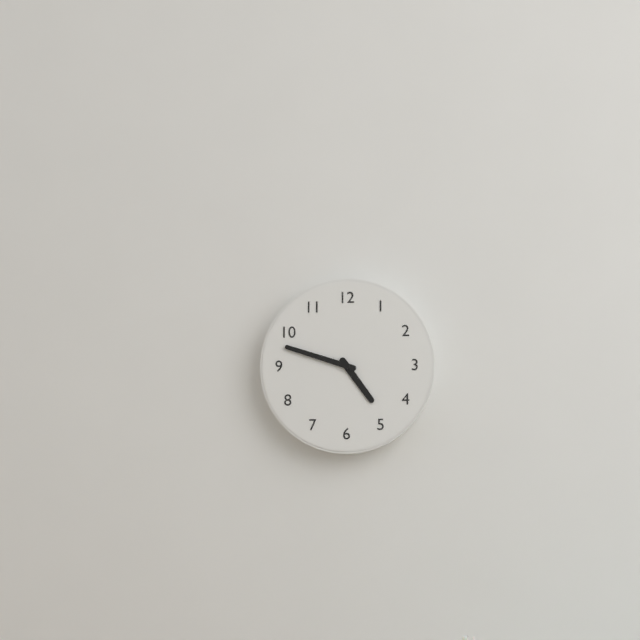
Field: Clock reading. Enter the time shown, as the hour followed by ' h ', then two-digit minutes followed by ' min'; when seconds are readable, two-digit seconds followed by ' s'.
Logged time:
4 h 48 min
